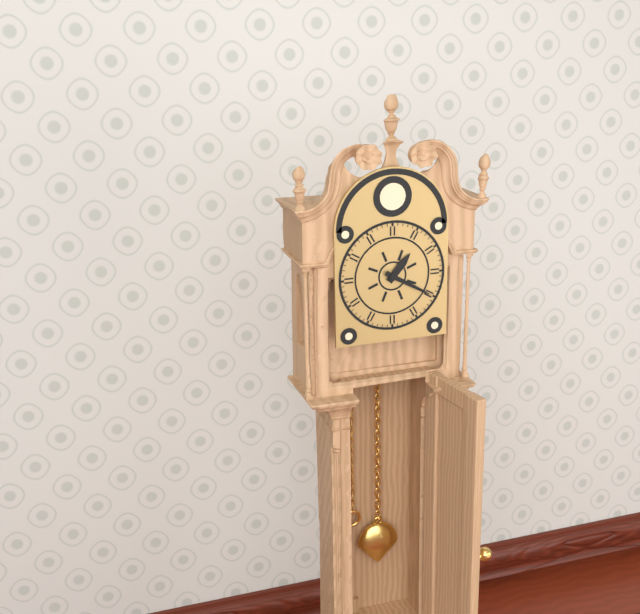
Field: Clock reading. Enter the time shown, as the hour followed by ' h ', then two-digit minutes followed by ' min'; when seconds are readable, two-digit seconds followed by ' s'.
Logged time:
1 h 20 min
